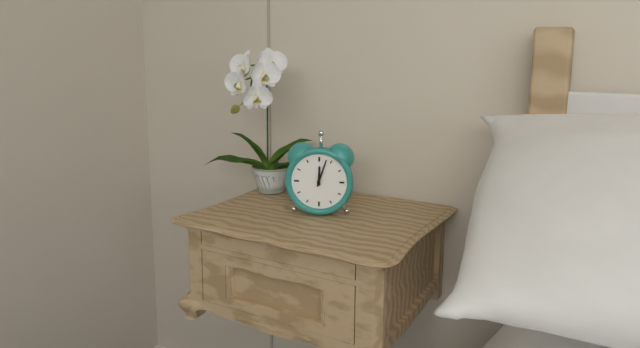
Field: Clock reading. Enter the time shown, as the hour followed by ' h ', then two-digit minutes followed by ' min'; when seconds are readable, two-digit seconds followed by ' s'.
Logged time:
12 h 03 min
